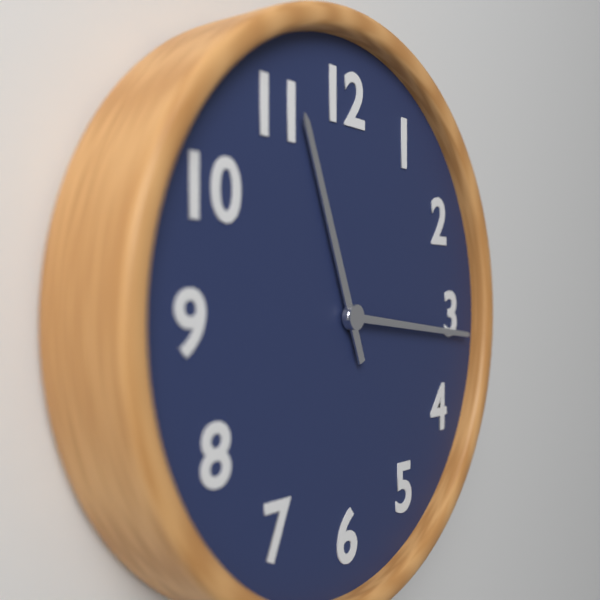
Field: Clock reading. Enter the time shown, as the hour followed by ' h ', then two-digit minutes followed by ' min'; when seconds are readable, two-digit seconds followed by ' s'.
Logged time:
11 h 16 min
